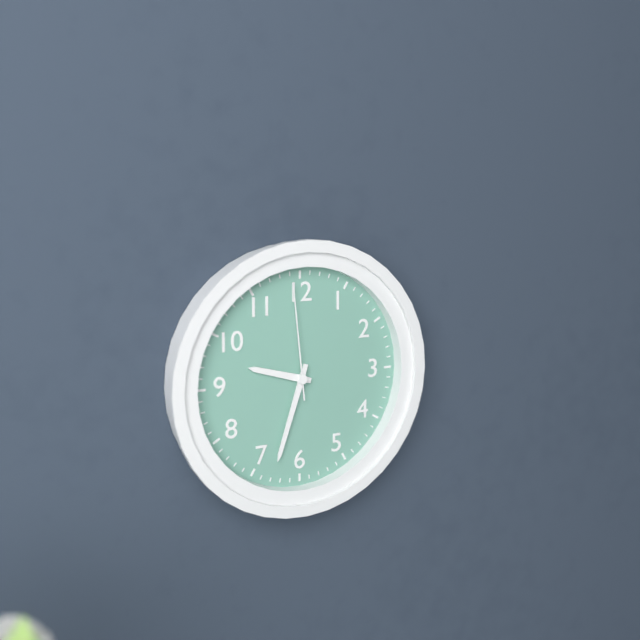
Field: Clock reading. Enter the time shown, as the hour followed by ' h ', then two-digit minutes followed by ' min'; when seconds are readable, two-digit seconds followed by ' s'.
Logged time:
9 h 33 min 59 s
